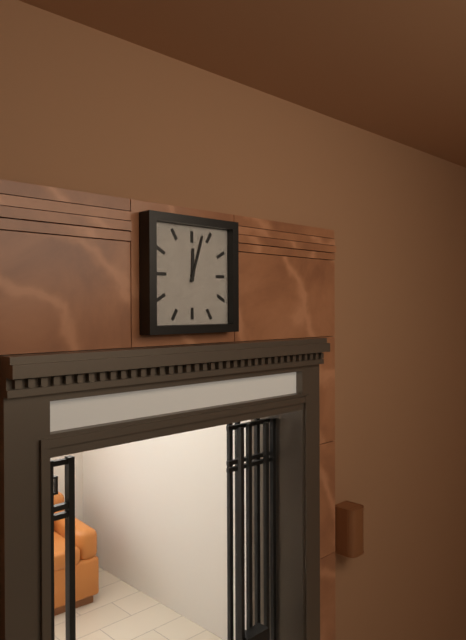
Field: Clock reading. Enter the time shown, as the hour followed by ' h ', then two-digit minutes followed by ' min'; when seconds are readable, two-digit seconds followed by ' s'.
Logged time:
12 h 03 min
